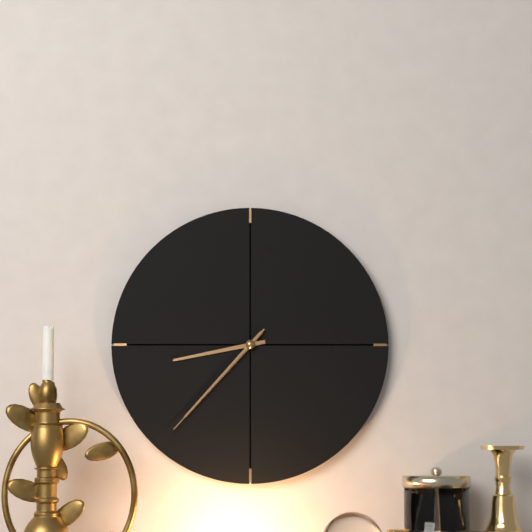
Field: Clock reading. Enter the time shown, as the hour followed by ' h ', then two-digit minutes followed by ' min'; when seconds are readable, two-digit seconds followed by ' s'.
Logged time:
8 h 37 min 37 s
